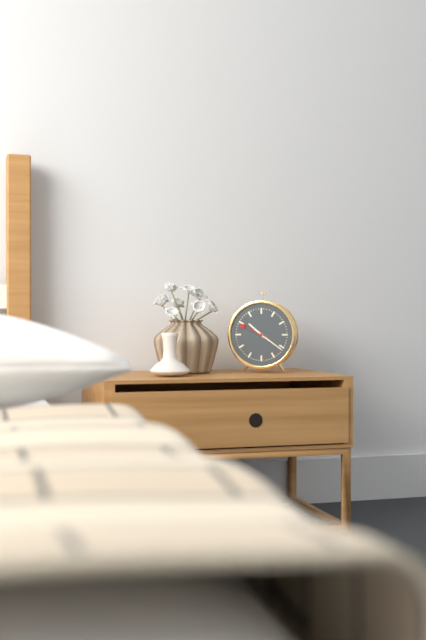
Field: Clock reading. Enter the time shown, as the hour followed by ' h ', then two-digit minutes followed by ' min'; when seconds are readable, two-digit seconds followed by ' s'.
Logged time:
10 h 21 min
